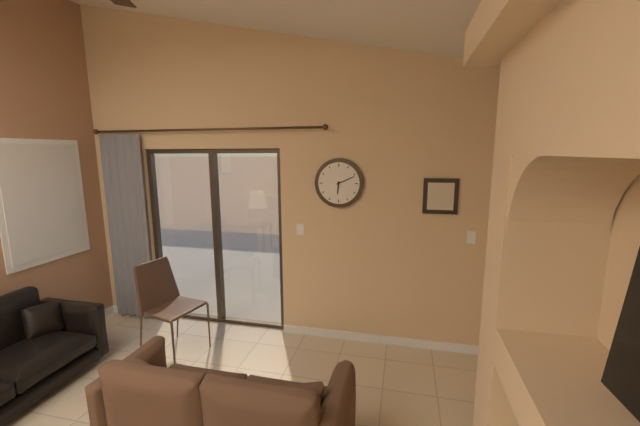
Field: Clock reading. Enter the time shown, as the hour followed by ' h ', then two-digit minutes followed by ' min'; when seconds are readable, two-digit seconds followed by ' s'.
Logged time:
6 h 11 min
